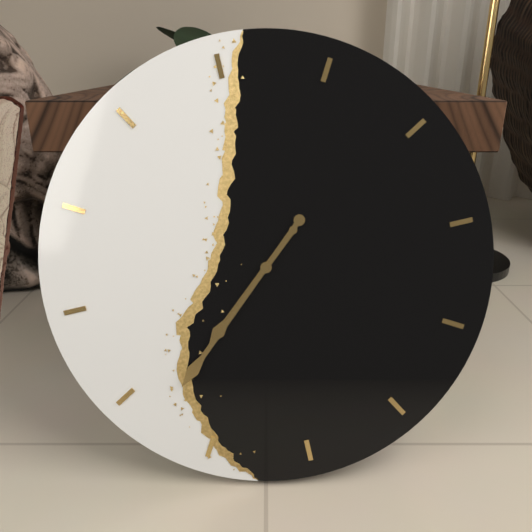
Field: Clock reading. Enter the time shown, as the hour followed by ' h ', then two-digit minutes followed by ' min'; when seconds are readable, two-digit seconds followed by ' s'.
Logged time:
7 h 38 min
